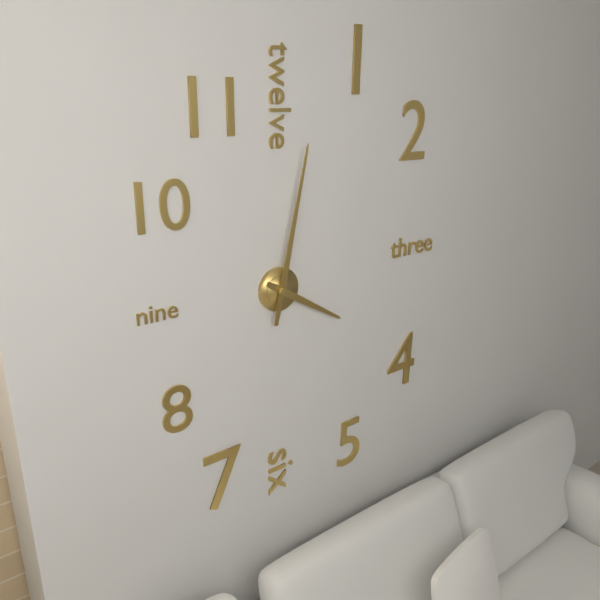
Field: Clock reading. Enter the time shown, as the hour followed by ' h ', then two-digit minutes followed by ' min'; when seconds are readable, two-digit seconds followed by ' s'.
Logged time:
4 h 02 min
